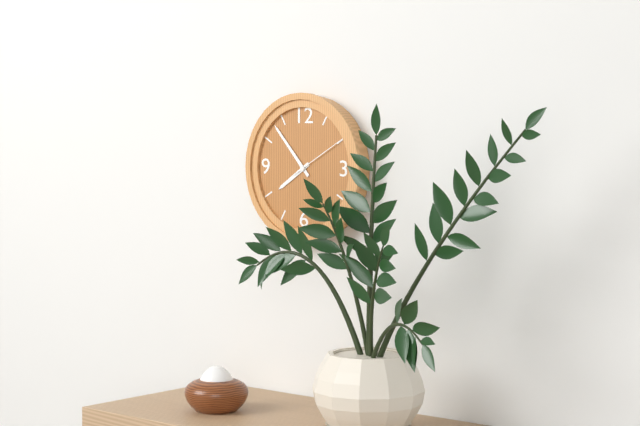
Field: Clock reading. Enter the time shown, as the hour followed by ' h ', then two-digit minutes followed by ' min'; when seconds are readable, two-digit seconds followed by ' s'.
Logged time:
7 h 53 min 10 s
